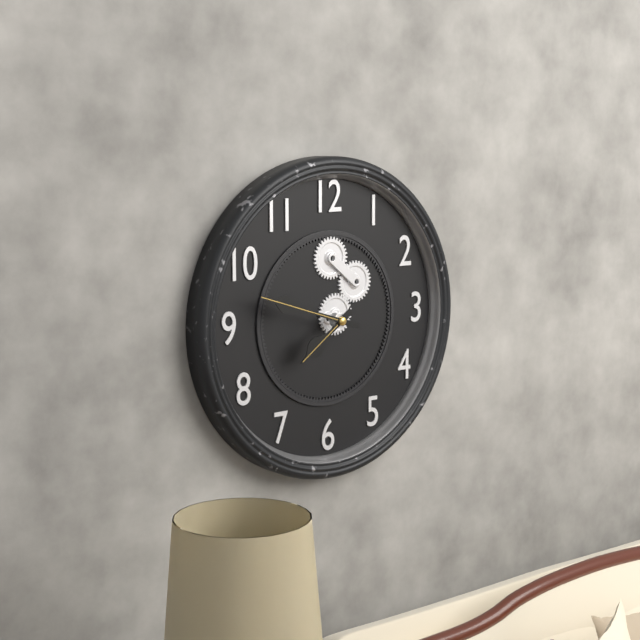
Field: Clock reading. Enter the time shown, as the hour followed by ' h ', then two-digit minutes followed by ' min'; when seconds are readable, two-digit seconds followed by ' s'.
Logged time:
7 h 48 min
